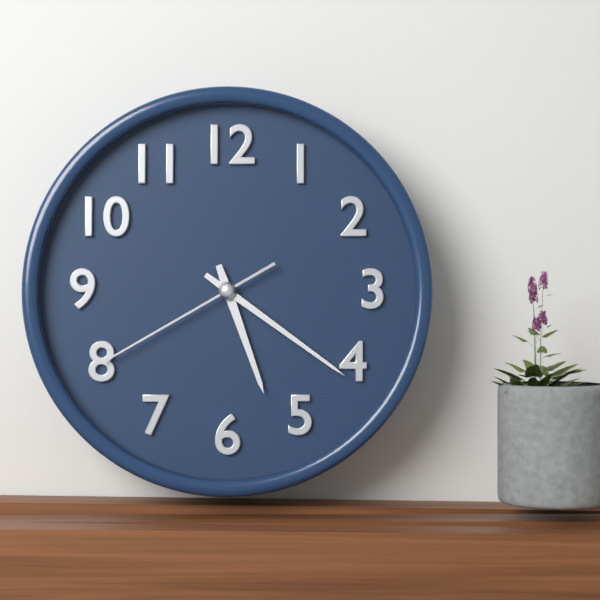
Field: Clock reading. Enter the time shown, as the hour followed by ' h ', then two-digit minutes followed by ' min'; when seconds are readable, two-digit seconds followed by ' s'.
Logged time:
5 h 21 min 40 s
